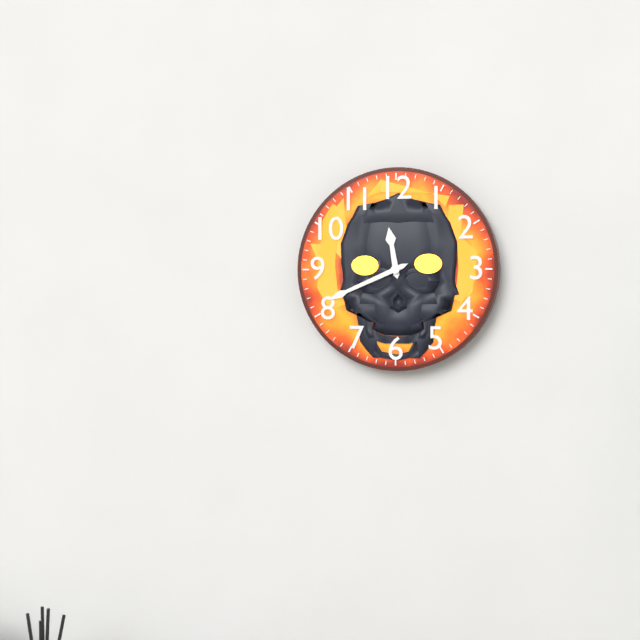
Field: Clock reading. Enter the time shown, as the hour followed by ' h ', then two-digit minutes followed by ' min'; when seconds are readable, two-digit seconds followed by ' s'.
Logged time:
11 h 41 min
